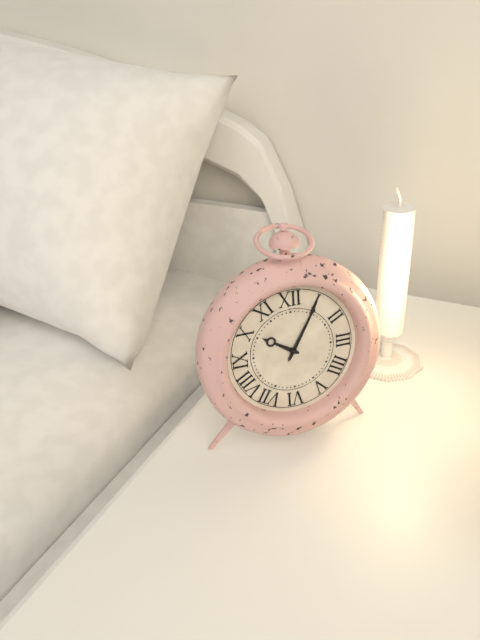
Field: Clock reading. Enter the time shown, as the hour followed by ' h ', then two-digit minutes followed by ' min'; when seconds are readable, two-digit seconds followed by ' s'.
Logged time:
10 h 05 min
